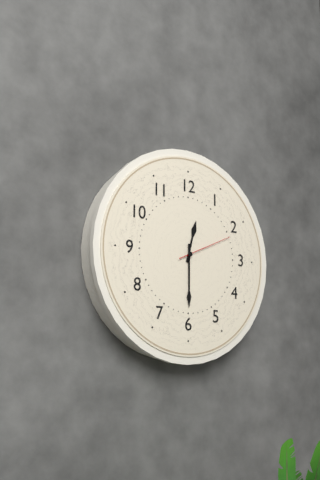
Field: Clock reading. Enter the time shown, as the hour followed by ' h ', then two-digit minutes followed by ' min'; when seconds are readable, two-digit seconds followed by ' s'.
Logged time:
12 h 30 min 11 s
